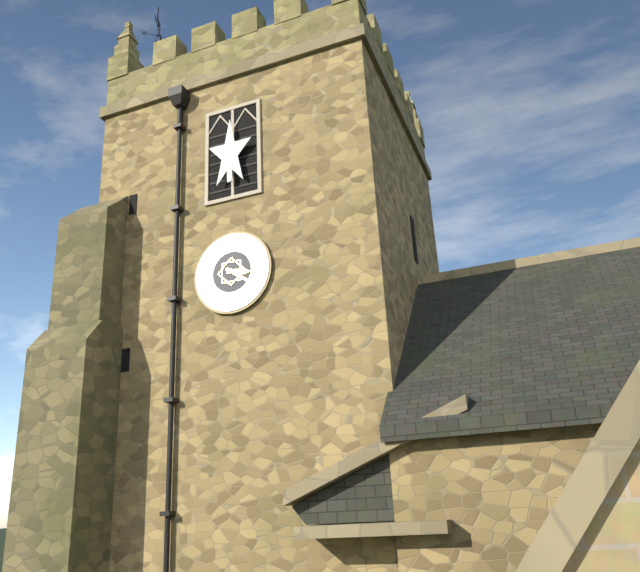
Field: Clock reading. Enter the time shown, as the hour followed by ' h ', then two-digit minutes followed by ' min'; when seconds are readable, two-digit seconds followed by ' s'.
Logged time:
3 h 21 min
